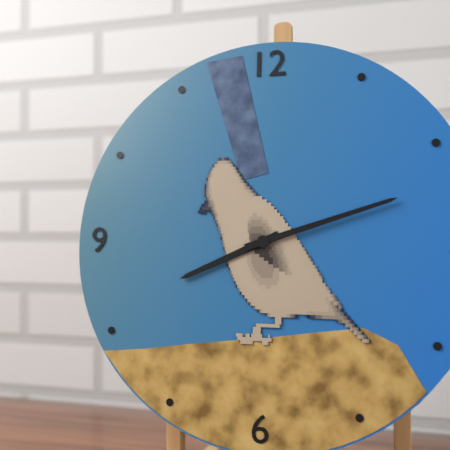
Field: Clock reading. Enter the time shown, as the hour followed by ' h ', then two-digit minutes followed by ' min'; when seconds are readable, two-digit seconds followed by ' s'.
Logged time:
8 h 12 min
